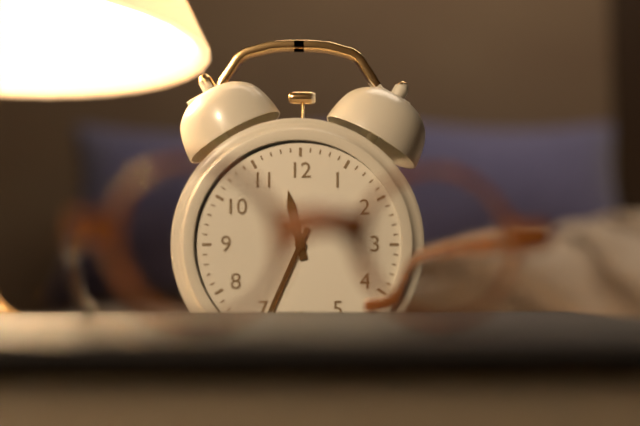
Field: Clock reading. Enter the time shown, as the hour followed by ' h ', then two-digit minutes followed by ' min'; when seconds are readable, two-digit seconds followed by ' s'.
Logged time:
11 h 34 min
